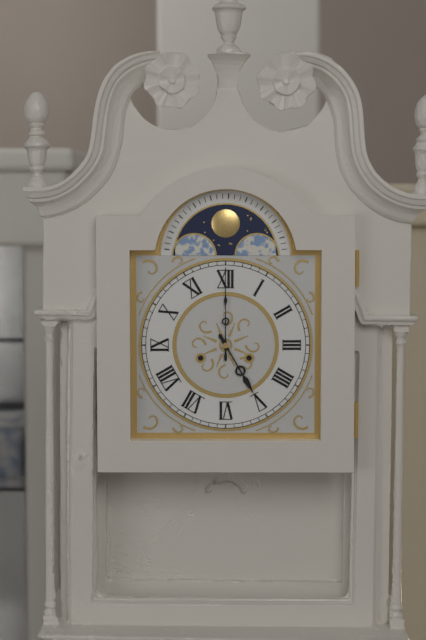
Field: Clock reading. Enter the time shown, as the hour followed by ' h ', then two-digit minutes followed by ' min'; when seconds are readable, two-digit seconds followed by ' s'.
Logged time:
5 h 00 min
